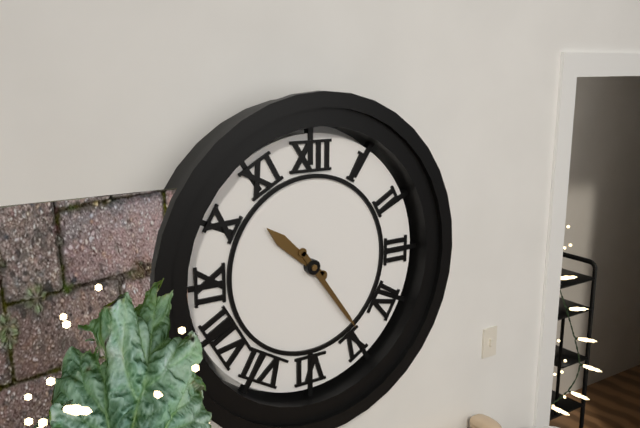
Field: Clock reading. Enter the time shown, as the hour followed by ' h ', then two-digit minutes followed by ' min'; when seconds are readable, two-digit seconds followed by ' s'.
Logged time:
10 h 24 min
